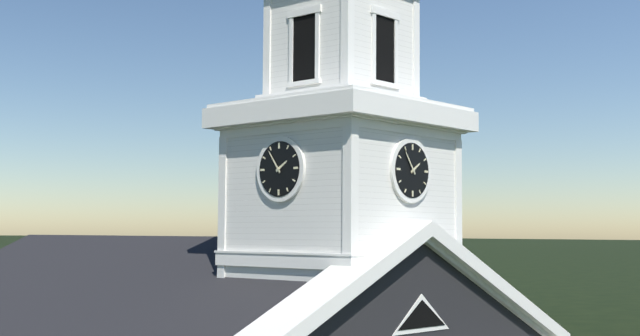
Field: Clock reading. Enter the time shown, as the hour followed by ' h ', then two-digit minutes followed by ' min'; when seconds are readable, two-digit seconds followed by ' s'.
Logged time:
1 h 54 min
